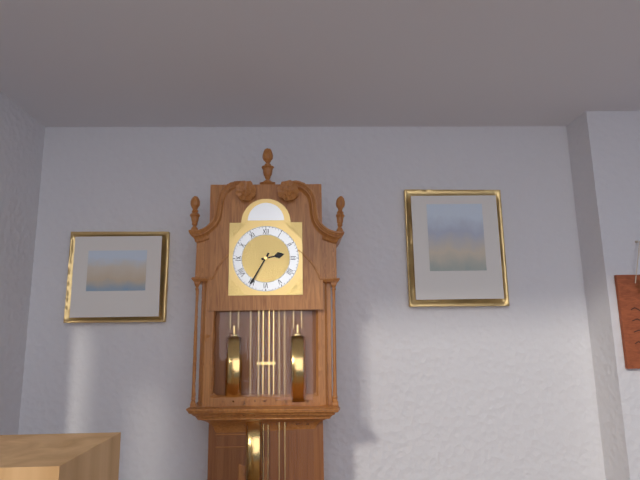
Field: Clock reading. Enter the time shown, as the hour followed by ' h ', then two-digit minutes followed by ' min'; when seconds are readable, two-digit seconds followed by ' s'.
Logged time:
2 h 35 min
